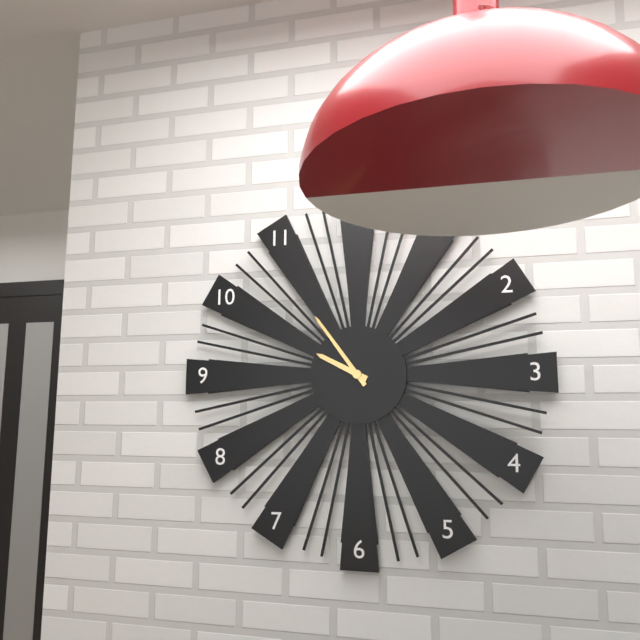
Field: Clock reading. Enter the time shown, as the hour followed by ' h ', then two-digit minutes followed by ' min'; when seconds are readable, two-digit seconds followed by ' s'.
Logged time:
9 h 54 min
